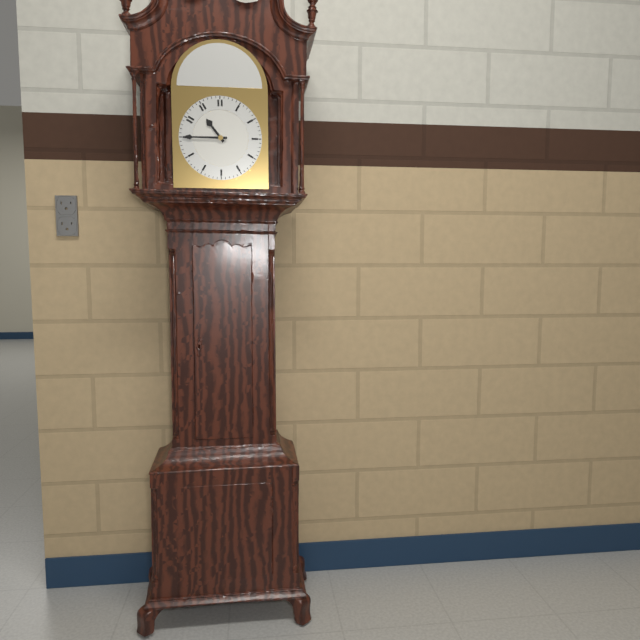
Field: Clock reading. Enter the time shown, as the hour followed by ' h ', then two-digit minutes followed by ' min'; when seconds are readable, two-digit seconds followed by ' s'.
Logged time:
10 h 45 min
